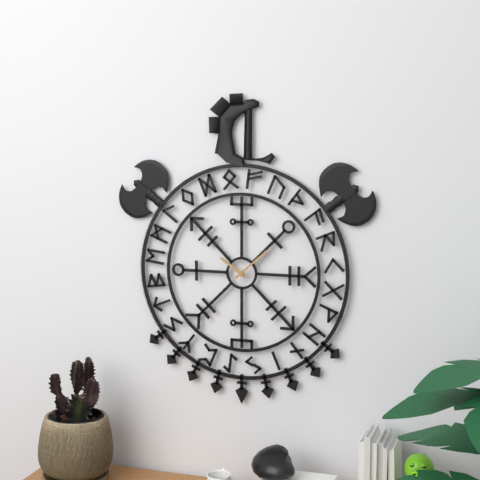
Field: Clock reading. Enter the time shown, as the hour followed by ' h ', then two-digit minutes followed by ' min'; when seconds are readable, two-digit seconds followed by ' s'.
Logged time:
10 h 08 min
